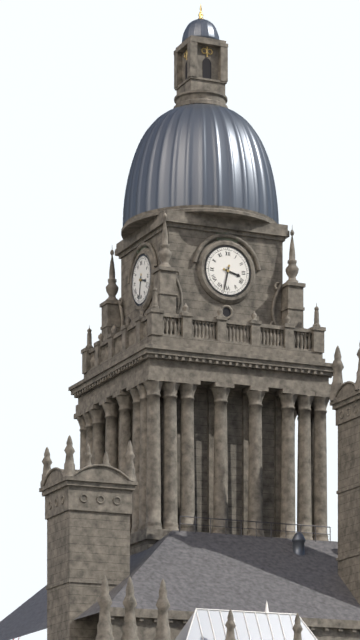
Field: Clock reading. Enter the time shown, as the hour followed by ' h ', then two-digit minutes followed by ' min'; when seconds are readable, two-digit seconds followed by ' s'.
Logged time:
3 h 32 min
